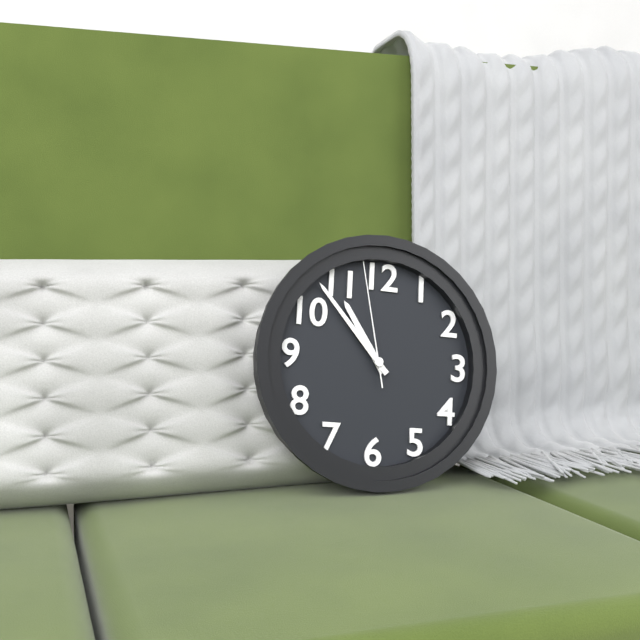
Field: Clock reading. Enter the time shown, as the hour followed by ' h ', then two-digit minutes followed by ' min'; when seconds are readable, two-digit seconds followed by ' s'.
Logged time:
10 h 53 min 58 s
